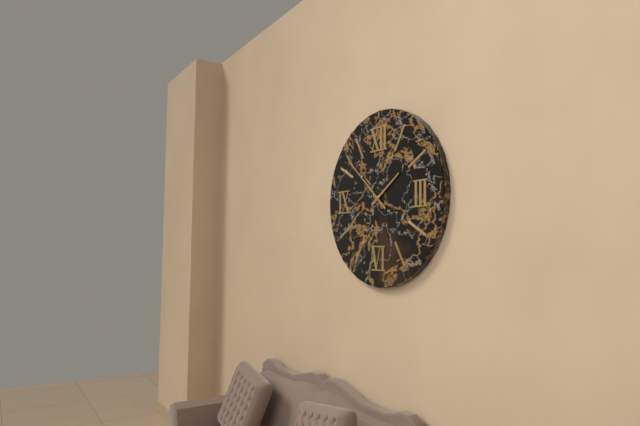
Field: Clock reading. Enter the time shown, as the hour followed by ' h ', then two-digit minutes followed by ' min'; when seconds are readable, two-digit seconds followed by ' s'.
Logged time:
1 h 52 min
